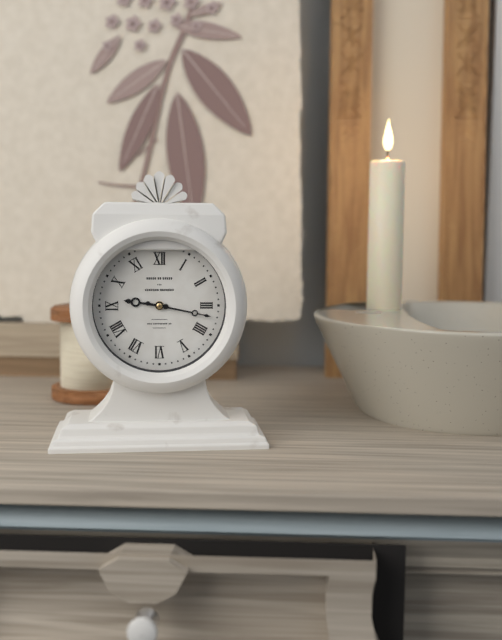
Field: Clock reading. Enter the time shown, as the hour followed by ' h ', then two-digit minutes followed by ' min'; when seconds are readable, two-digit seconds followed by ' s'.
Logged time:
9 h 17 min
